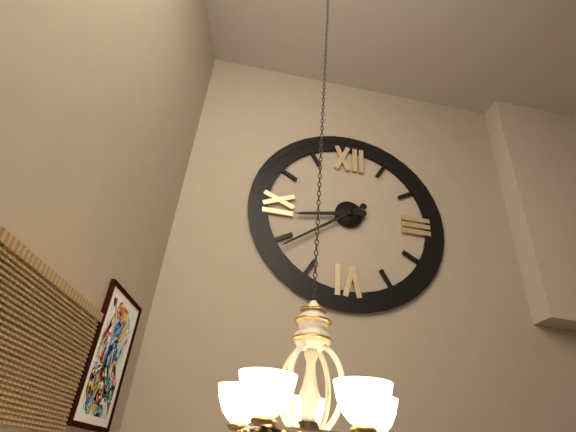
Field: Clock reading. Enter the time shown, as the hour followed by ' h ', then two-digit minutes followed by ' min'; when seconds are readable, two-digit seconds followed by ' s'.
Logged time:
8 h 39 min
